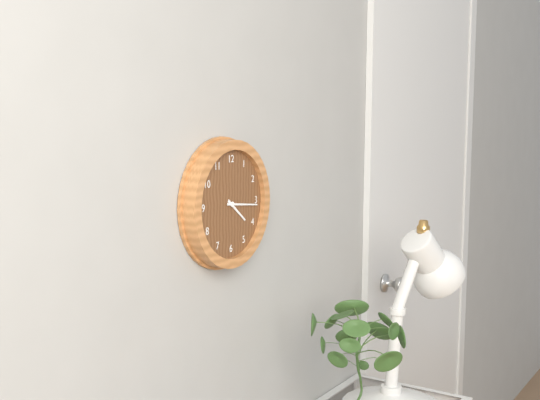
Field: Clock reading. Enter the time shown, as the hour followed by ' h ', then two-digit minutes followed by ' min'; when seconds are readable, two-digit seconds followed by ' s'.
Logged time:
4 h 16 min
